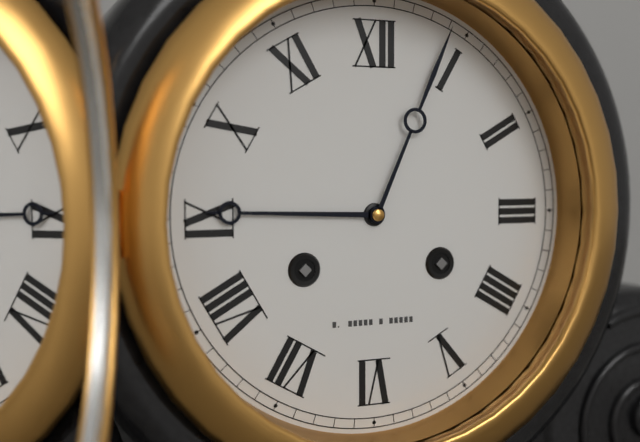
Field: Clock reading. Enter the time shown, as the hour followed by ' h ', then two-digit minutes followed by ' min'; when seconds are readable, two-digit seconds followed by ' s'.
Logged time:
9 h 04 min
